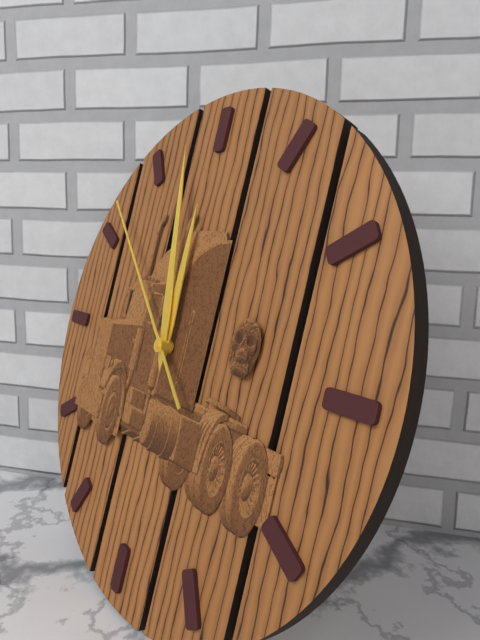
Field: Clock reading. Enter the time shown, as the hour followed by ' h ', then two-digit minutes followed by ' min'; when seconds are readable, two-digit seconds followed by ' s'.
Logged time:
11 h 58 min 52 s
